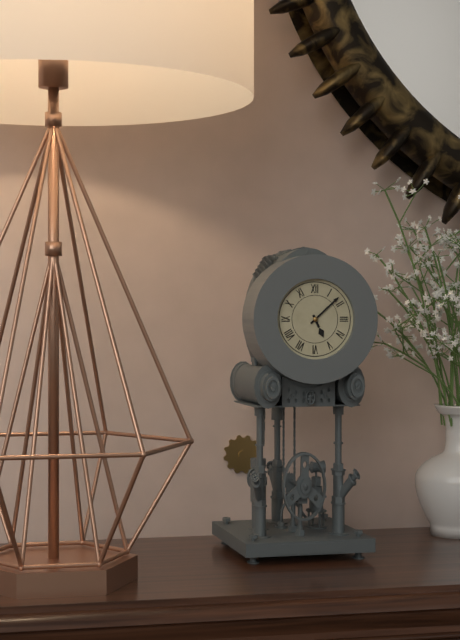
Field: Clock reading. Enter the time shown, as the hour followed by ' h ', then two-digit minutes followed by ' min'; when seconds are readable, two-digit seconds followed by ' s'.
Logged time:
5 h 08 min
